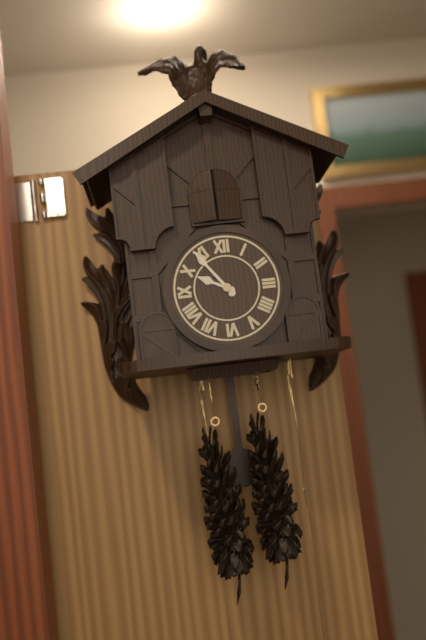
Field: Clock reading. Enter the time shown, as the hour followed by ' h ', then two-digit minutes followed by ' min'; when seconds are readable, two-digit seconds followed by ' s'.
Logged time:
9 h 54 min
